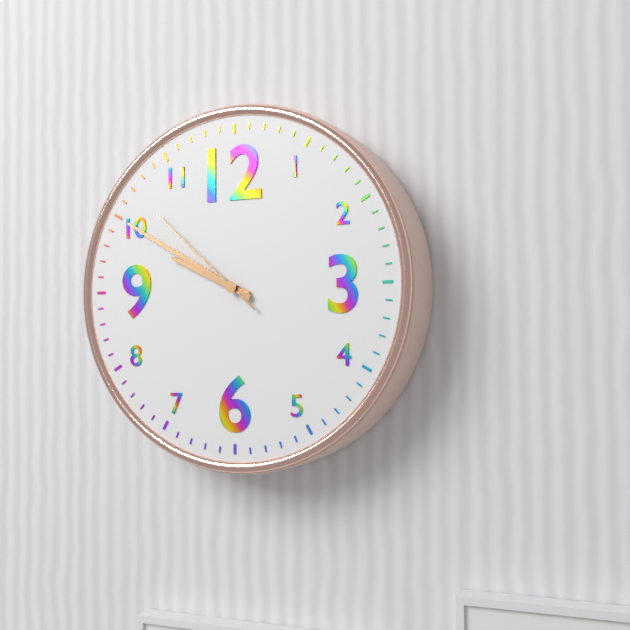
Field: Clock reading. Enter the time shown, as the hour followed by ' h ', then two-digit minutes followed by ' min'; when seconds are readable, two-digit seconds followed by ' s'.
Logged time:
9 h 50 min 52 s
